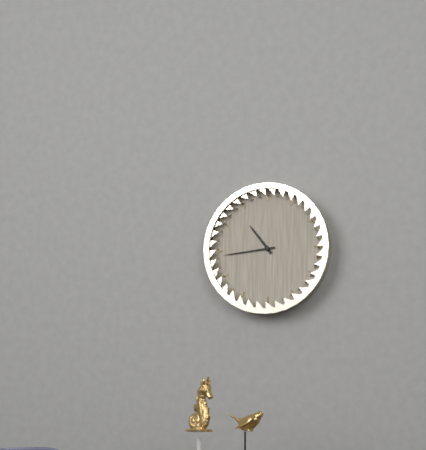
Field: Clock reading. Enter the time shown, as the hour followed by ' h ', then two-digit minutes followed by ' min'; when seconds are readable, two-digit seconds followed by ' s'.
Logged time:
10 h 44 min
